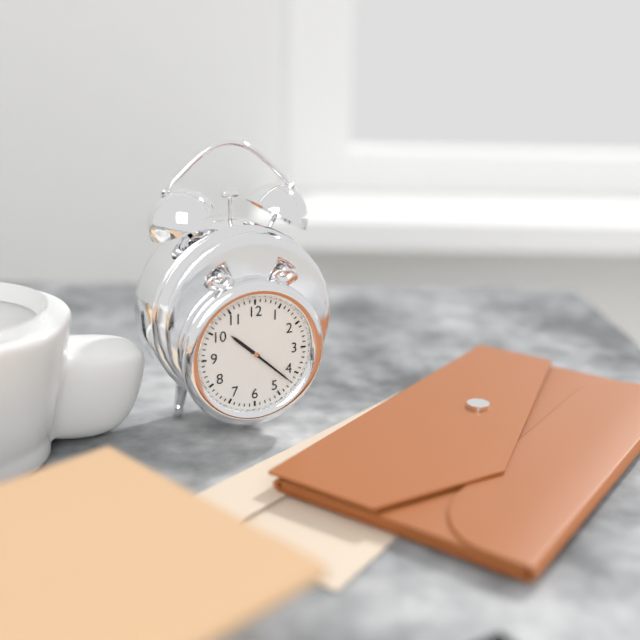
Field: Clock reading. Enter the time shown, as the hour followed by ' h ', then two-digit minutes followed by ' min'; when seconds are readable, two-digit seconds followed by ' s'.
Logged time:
10 h 22 min
